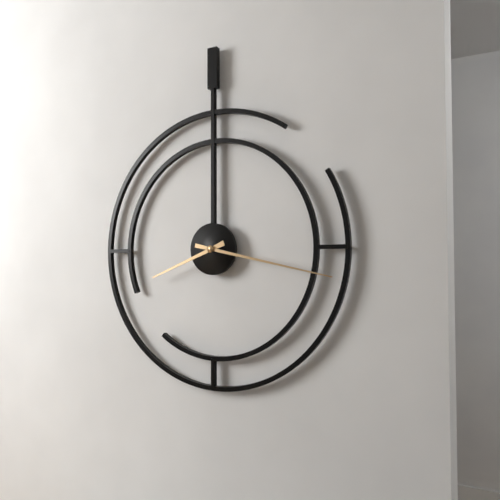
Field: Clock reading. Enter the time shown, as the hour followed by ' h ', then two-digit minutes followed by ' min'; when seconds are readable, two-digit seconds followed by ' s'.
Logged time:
8 h 17 min
